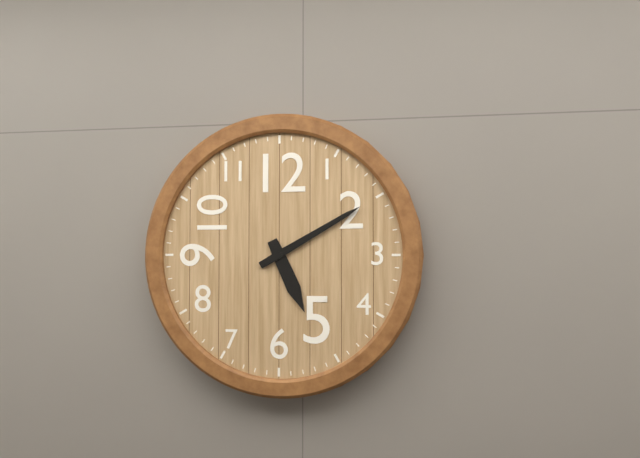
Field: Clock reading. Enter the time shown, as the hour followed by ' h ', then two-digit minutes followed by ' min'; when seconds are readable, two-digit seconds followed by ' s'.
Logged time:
5 h 10 min
